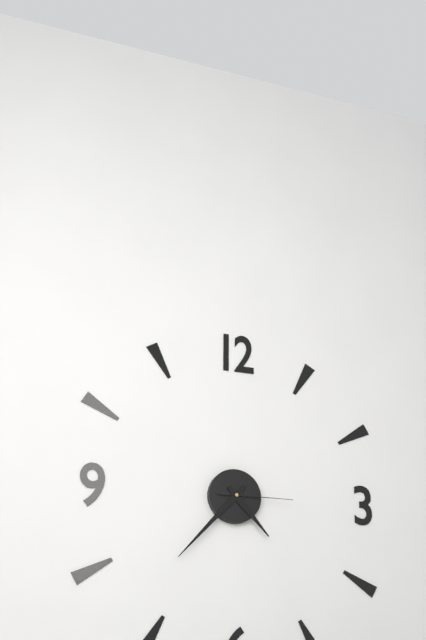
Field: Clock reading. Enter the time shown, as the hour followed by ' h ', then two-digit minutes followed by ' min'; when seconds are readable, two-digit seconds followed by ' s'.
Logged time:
4 h 37 min 15 s
